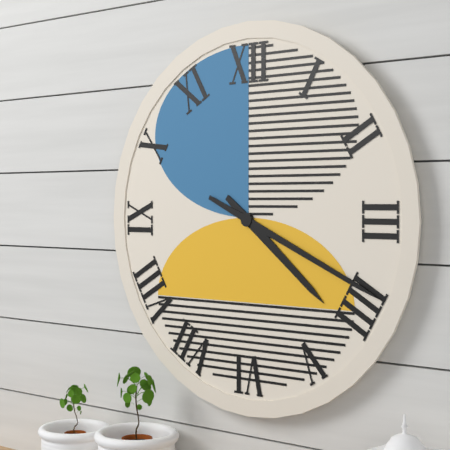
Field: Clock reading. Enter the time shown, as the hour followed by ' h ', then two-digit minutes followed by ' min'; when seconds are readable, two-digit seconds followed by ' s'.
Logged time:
4 h 19 min
